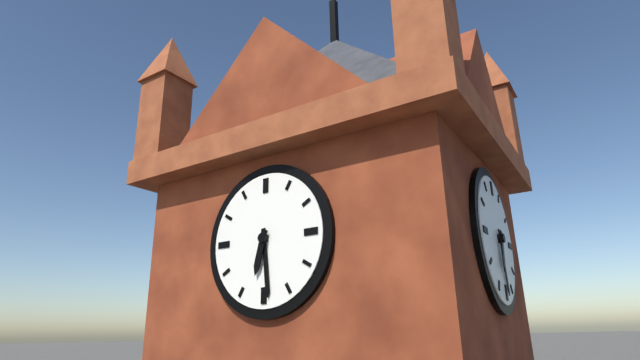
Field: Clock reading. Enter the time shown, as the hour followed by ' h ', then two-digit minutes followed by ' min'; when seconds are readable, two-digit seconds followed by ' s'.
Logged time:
6 h 29 min
